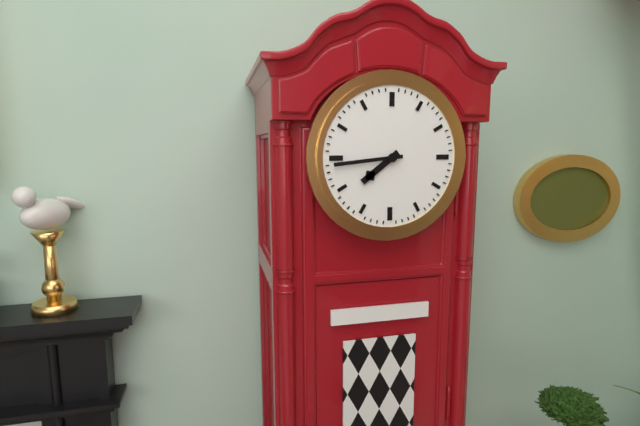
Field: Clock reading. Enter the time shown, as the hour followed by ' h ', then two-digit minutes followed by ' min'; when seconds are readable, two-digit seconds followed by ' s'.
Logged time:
7 h 44 min
